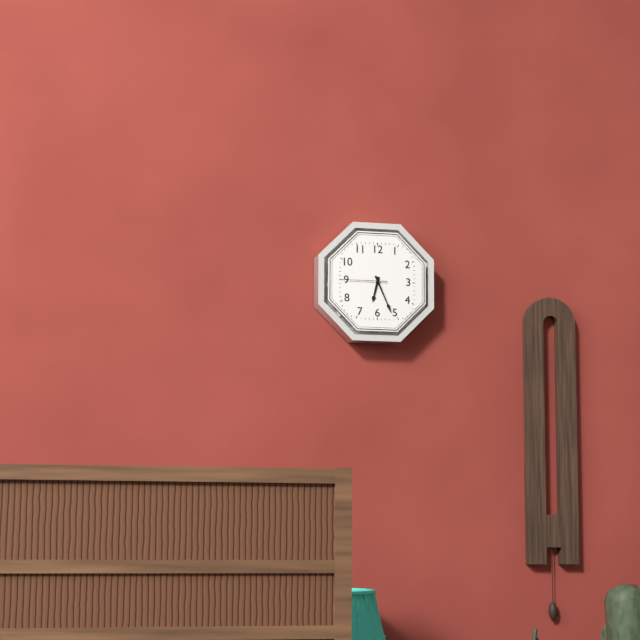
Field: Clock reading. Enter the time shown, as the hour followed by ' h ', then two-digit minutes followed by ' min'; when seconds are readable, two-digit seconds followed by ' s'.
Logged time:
6 h 26 min
